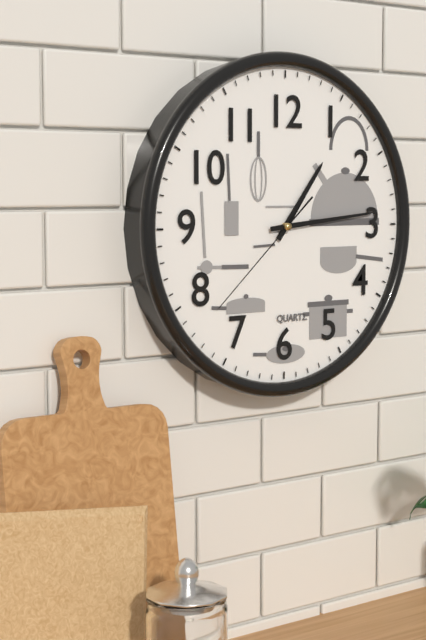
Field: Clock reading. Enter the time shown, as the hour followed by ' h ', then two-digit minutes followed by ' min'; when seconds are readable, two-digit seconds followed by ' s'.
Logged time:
1 h 14 min 38 s
